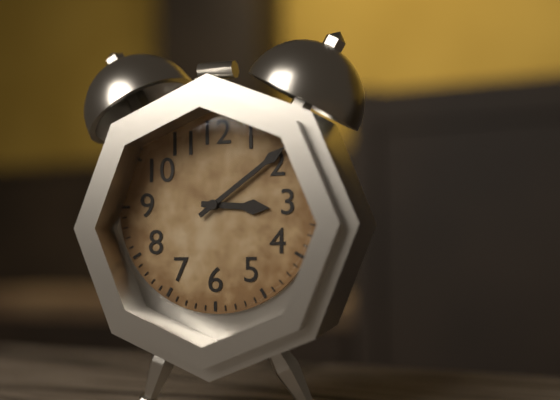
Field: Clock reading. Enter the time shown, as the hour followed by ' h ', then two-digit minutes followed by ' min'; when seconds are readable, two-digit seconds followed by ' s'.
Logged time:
3 h 09 min
